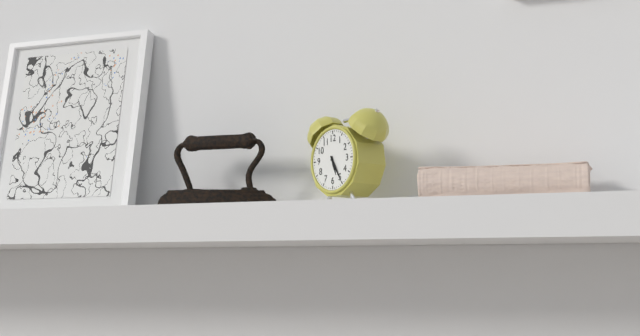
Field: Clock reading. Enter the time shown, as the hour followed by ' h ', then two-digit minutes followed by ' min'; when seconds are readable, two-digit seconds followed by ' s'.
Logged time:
5 h 25 min
